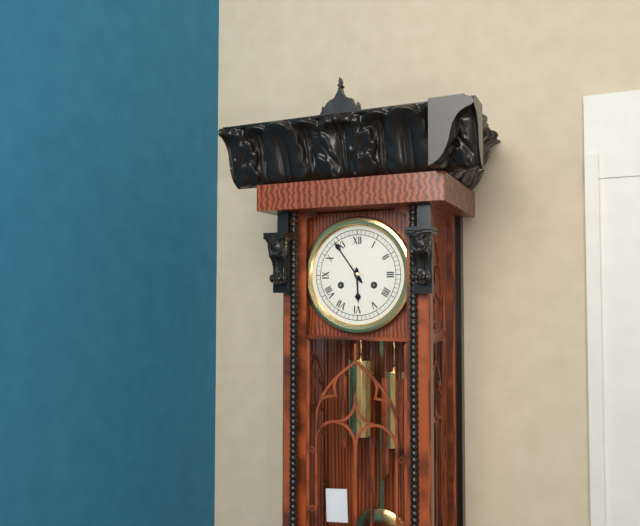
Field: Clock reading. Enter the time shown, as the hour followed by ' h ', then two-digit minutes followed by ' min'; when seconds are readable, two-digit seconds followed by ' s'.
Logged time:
5 h 54 min
